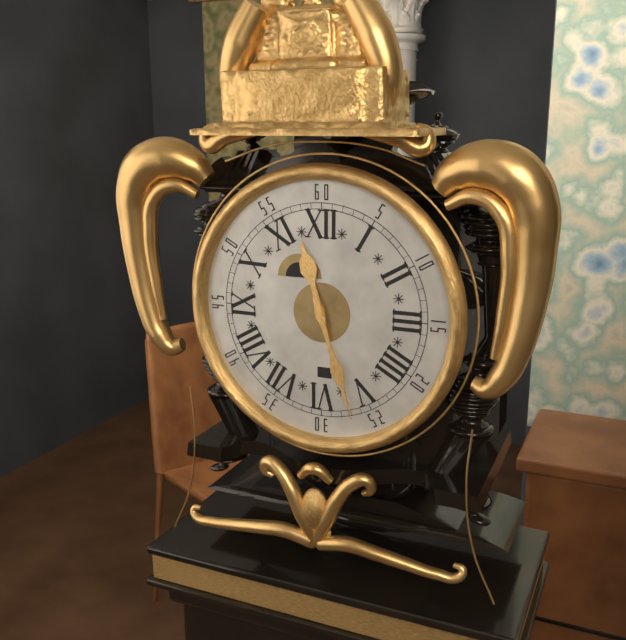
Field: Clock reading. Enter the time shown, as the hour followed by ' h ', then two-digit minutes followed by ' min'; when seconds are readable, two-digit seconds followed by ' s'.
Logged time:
11 h 27 min
